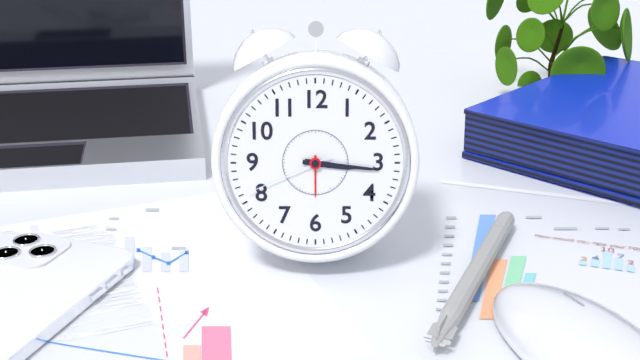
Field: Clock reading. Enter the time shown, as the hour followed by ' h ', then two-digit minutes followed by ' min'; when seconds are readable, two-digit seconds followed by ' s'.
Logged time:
3 h 16 min 41 s
